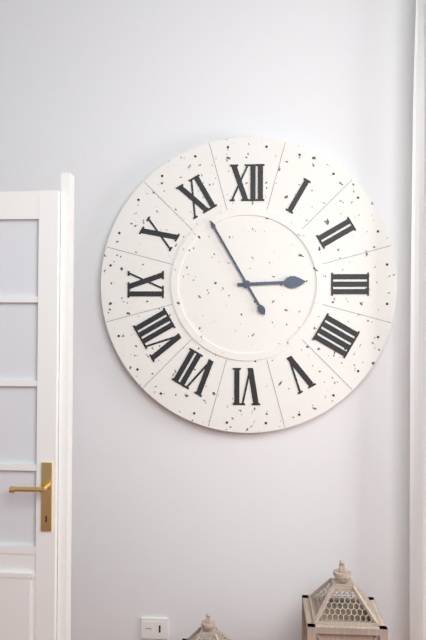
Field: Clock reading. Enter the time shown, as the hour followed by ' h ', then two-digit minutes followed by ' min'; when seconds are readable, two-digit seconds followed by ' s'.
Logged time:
2 h 55 min
